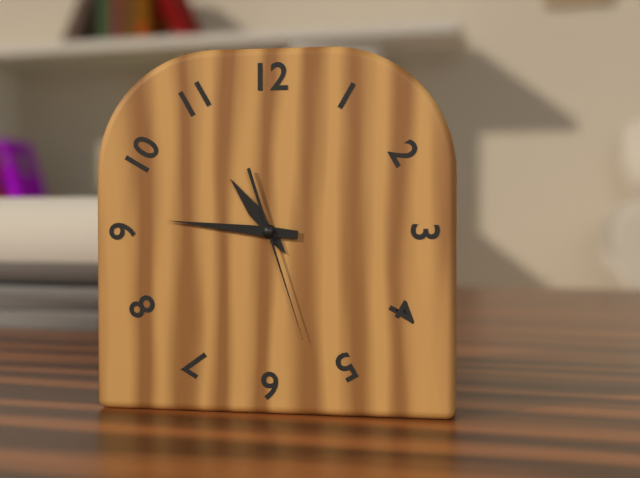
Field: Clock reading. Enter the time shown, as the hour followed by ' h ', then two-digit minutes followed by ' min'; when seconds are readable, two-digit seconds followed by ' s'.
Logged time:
10 h 46 min 27 s
